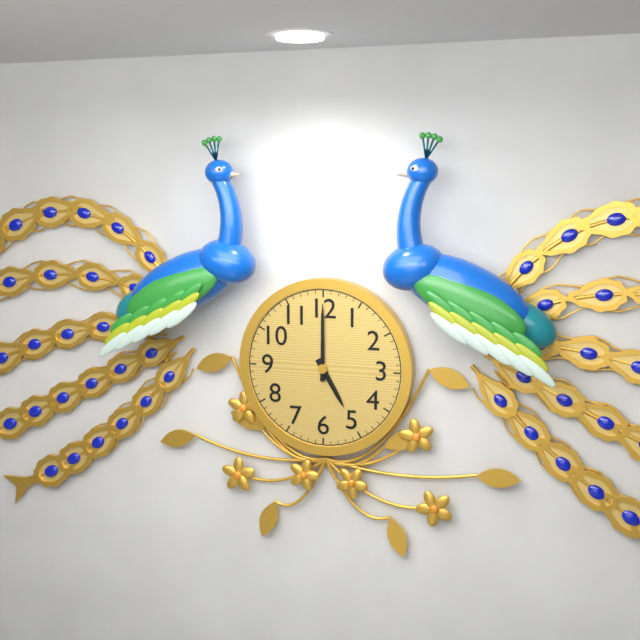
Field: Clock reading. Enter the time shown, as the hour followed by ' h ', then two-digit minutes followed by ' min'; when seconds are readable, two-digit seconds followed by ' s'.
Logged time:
5 h 00 min
